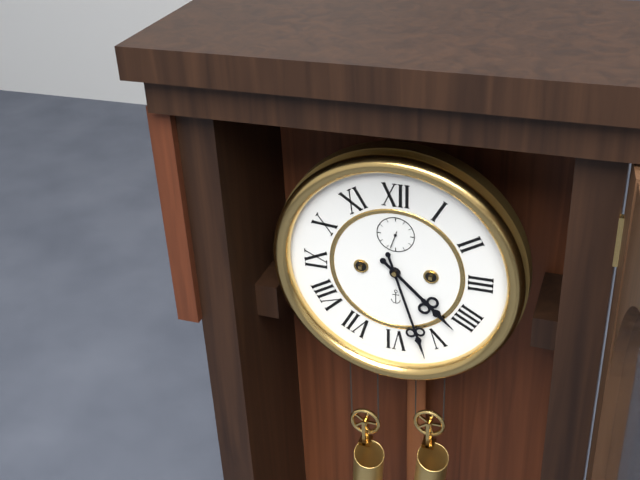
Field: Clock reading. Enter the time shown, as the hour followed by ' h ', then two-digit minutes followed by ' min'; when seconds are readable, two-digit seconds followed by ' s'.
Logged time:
4 h 27 min
